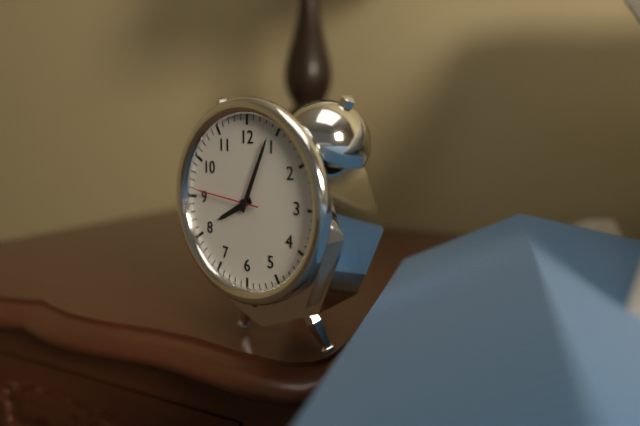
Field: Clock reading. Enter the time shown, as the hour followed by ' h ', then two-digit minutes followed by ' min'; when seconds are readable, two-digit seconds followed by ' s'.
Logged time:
8 h 04 min 46 s
